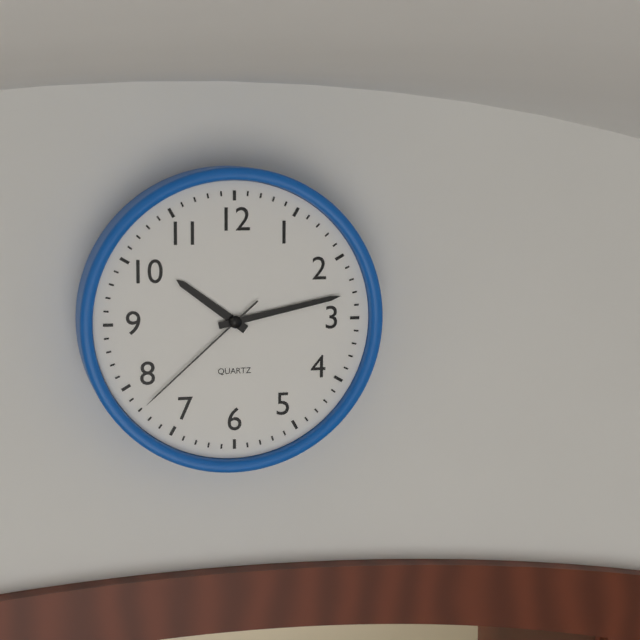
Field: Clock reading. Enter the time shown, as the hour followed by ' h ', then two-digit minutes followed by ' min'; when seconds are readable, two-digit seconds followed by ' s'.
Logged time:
10 h 13 min 38 s
